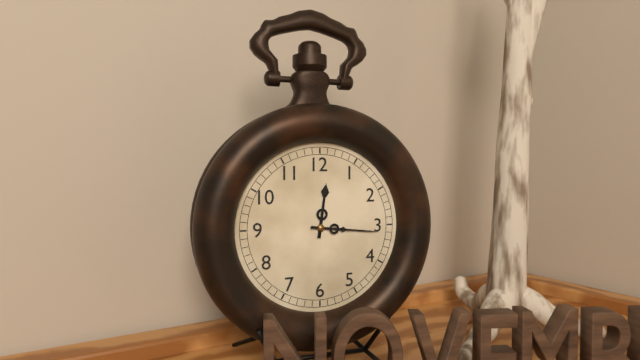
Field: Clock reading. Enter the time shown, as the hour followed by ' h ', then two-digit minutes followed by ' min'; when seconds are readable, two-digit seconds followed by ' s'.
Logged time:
12 h 16 min
